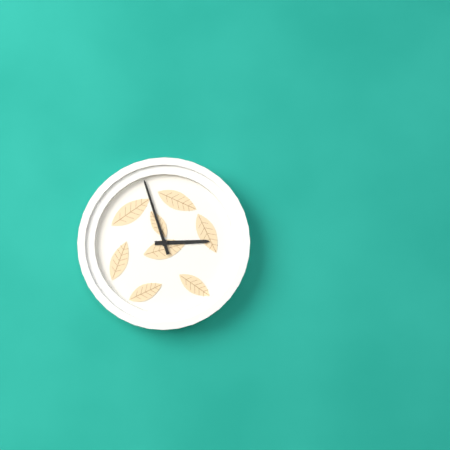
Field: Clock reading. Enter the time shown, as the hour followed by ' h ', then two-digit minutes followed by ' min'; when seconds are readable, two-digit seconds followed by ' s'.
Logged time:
2 h 57 min
